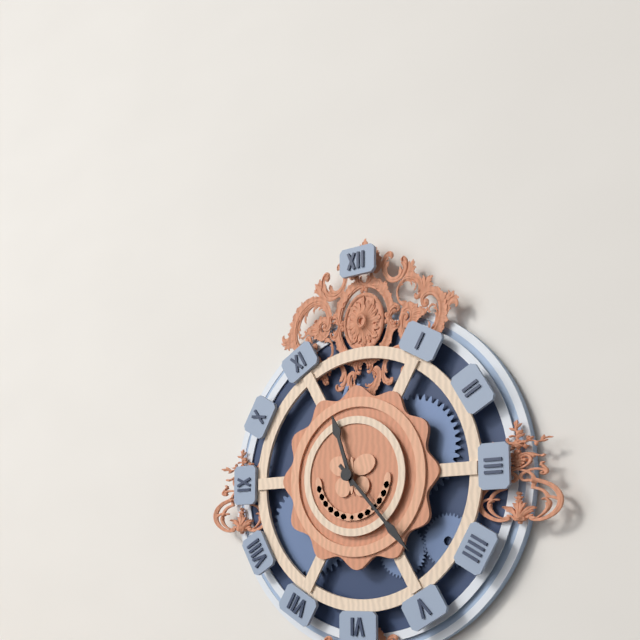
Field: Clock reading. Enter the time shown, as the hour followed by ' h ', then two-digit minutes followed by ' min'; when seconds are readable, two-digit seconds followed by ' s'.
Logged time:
11 h 23 min
